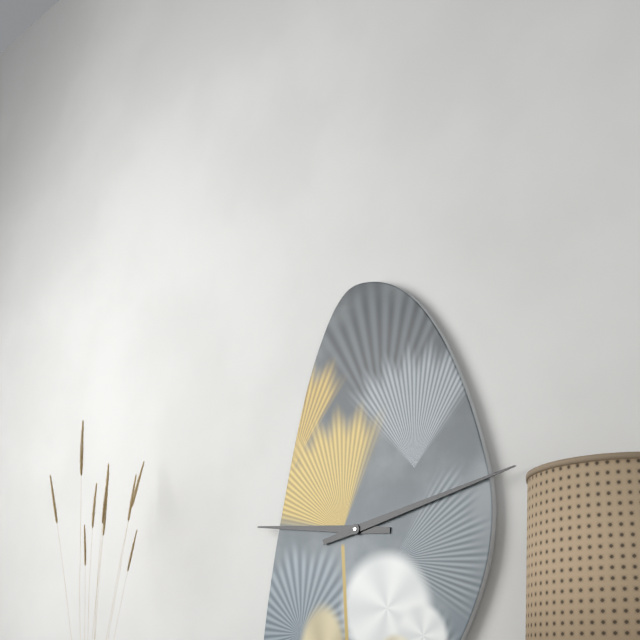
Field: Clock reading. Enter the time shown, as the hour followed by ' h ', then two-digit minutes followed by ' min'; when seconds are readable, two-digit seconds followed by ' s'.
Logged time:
9 h 13 min
